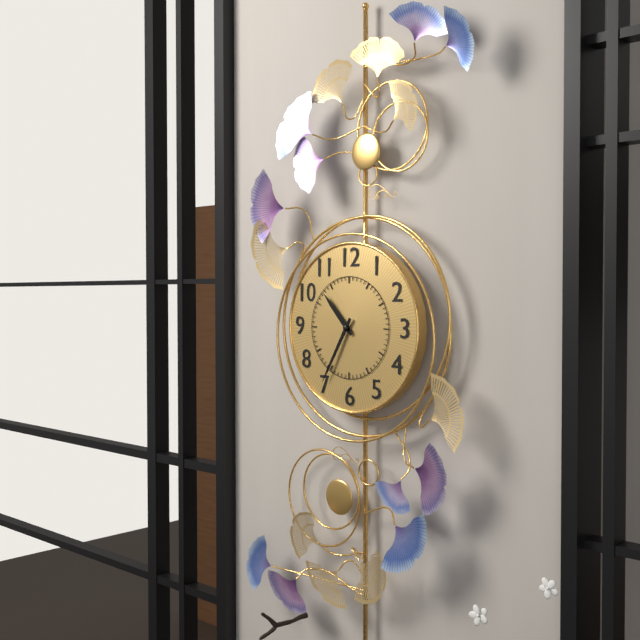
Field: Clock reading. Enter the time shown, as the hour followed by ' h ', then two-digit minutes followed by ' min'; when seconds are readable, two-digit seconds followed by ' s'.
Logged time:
10 h 35 min
